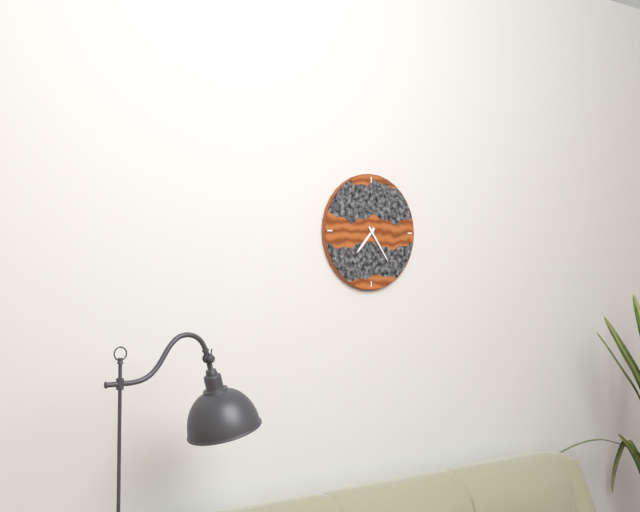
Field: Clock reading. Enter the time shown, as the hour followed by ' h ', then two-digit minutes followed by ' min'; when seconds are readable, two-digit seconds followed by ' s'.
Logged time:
7 h 24 min
